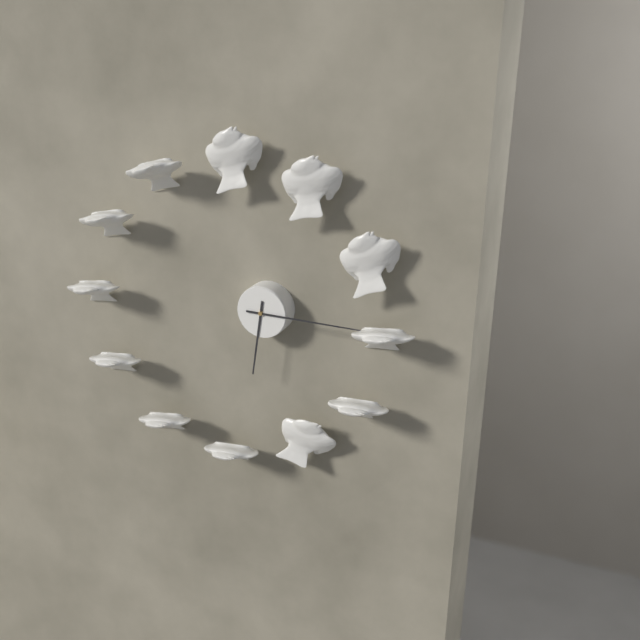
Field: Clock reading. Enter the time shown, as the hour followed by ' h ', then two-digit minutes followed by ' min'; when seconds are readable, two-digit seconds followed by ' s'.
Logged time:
6 h 15 min
